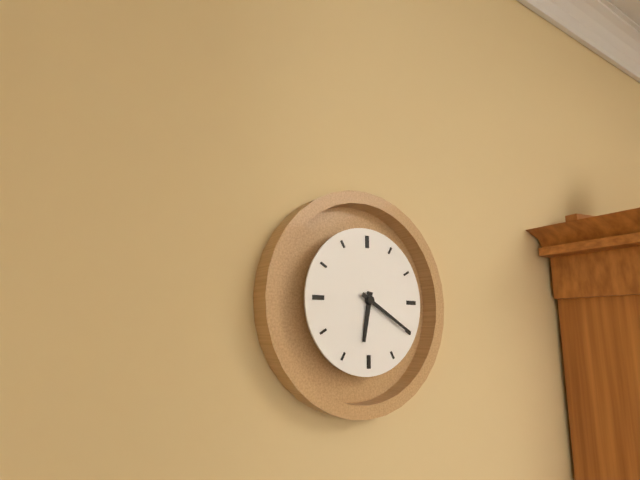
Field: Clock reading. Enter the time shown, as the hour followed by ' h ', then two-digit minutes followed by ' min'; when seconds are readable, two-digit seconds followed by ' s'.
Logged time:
6 h 20 min
